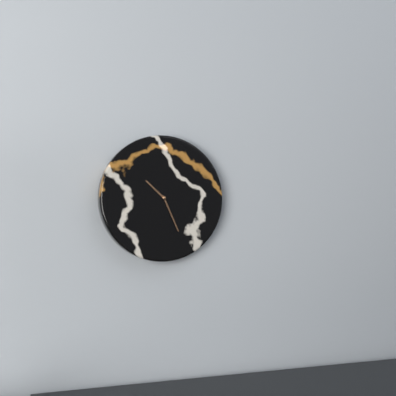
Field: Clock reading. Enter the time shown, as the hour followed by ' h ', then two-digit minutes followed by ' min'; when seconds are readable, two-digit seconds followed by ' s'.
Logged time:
10 h 26 min
